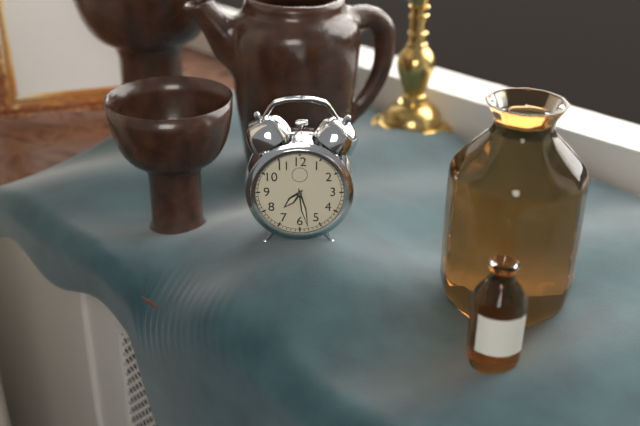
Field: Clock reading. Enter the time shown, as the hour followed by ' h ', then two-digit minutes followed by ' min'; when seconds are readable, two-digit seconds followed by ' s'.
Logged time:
7 h 28 min
